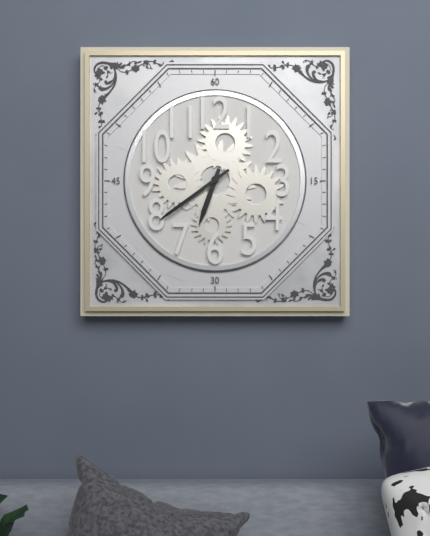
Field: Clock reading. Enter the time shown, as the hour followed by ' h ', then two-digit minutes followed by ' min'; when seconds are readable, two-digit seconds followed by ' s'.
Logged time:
6 h 39 min
